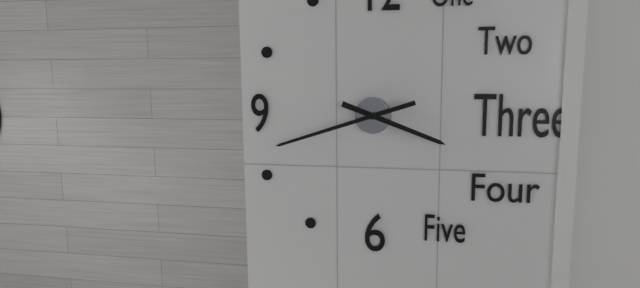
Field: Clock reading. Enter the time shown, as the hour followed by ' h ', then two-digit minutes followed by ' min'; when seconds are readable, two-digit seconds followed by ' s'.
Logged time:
3 h 42 min
